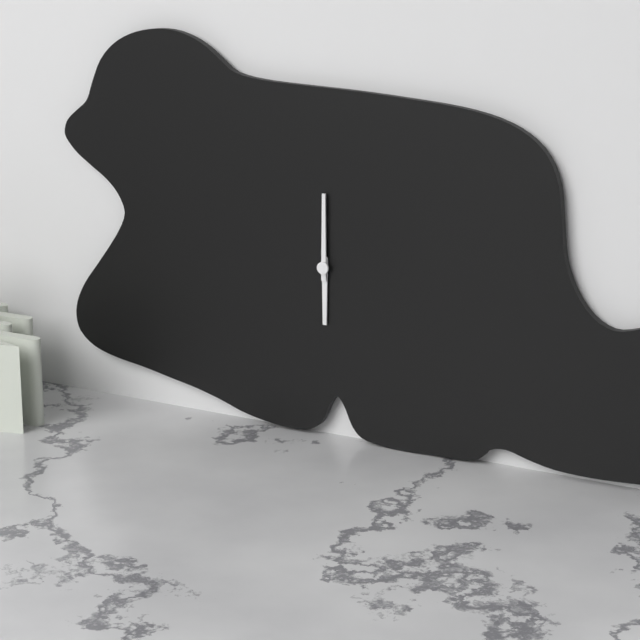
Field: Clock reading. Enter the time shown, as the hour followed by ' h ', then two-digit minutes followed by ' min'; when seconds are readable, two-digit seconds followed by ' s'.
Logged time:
6 h 00 min
